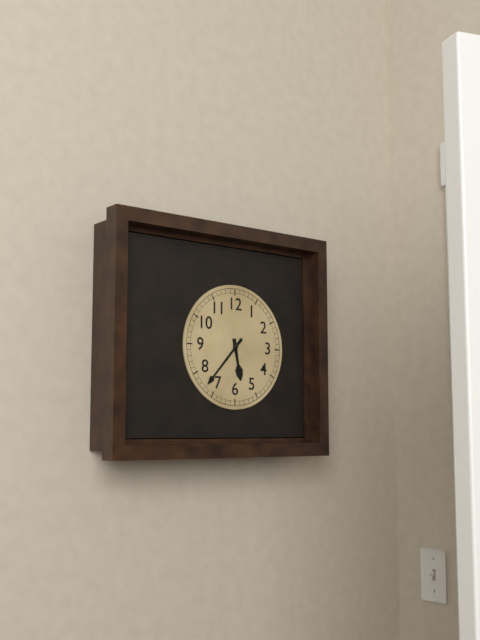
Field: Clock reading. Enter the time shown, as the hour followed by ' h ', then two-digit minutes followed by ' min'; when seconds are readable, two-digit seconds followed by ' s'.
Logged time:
5 h 37 min
